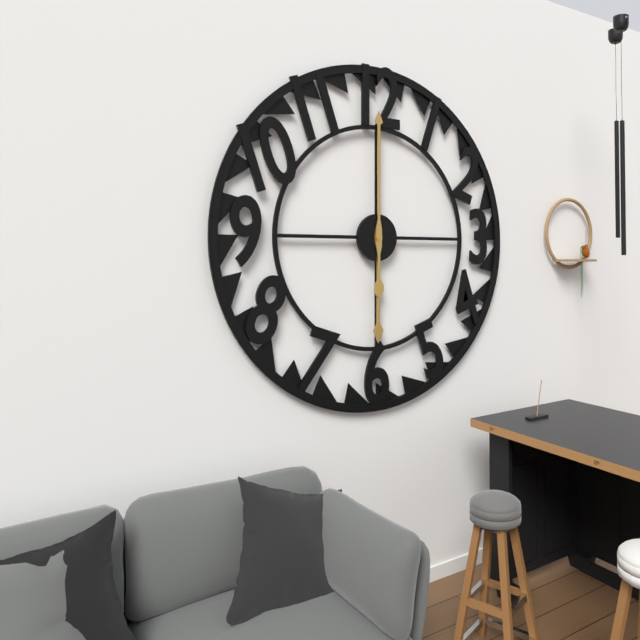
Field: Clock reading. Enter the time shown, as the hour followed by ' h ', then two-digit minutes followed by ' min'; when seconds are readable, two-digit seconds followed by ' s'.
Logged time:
6 h 00 min
